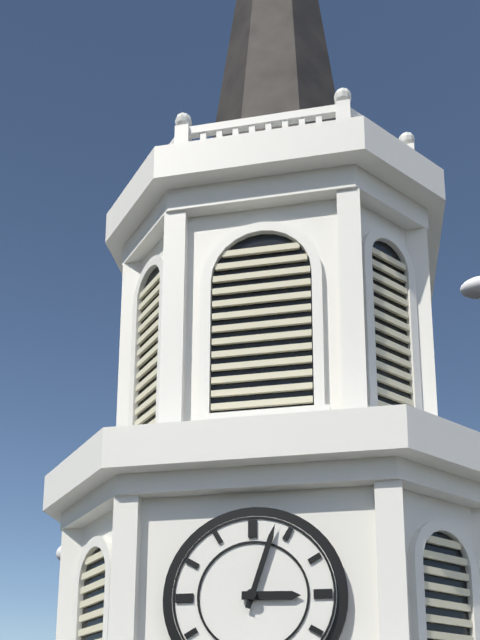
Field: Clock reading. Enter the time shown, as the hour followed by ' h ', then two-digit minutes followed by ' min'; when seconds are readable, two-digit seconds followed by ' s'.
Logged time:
3 h 03 min
